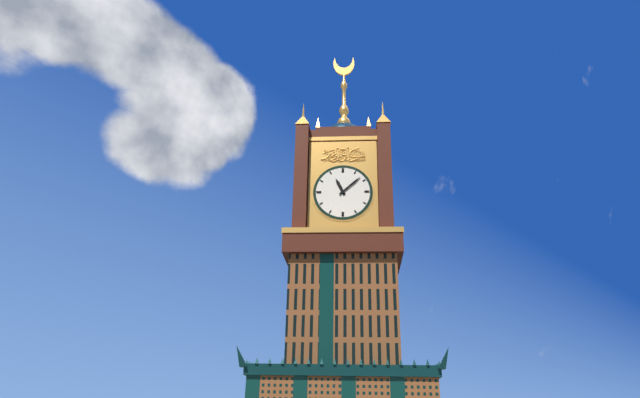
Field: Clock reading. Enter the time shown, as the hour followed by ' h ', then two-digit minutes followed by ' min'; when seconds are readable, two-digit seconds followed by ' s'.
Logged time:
11 h 08 min
